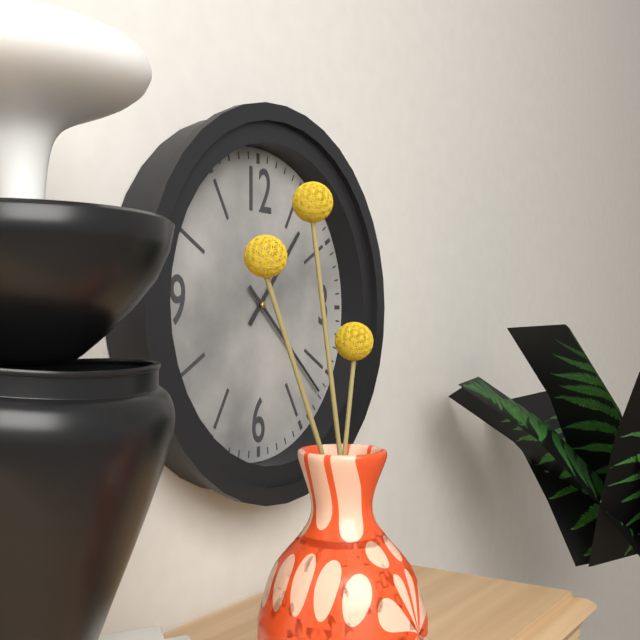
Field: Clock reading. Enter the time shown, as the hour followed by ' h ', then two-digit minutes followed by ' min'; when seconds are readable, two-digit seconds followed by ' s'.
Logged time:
1 h 22 min
